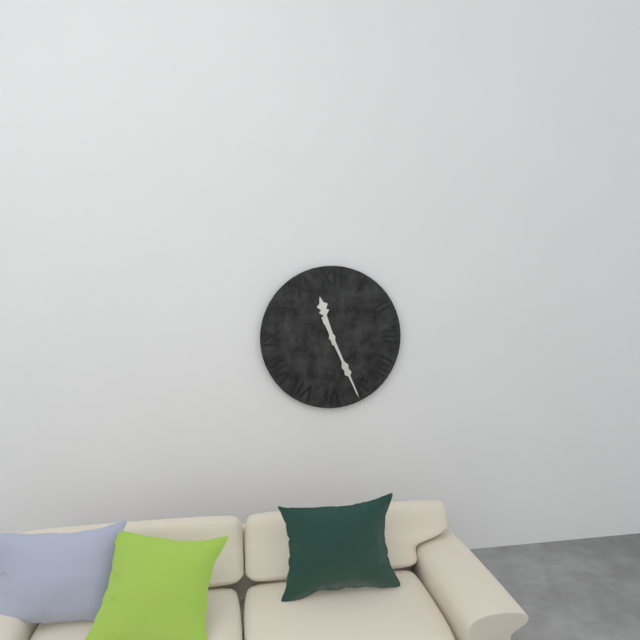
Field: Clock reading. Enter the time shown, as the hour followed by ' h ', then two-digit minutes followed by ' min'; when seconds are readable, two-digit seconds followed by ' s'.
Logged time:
11 h 26 min
